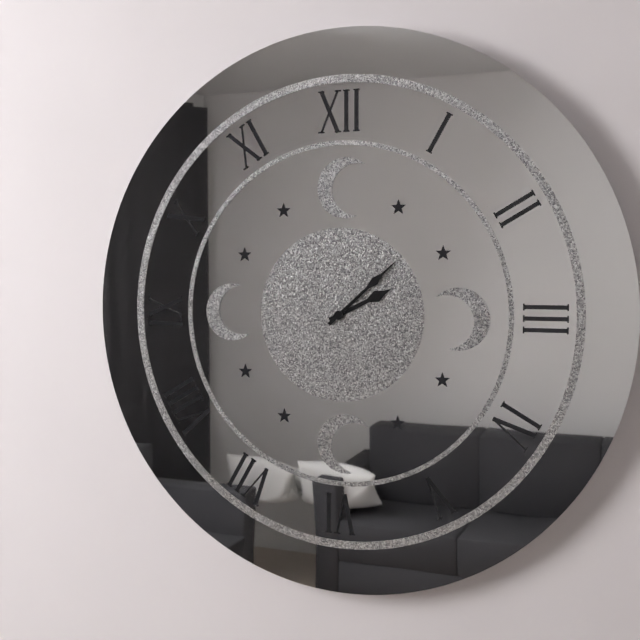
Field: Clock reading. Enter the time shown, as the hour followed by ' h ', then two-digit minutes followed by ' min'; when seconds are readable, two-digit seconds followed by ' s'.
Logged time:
2 h 08 min
